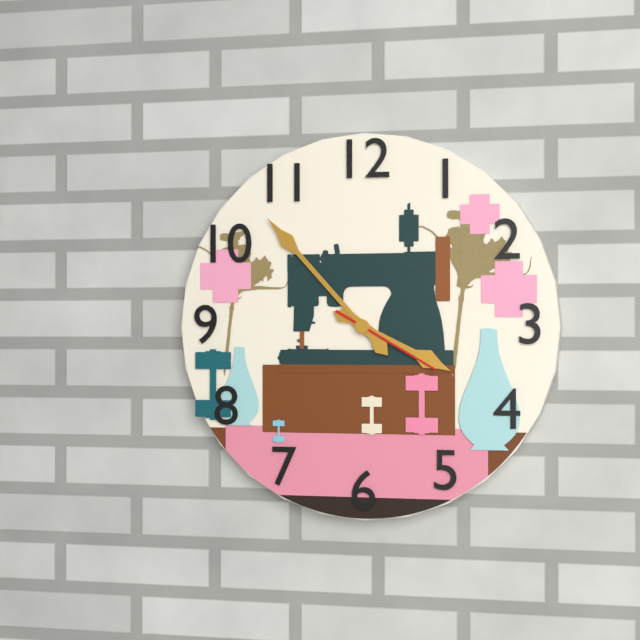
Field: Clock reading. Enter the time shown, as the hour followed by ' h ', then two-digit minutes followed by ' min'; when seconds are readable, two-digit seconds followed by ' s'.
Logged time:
3 h 53 min 20 s
